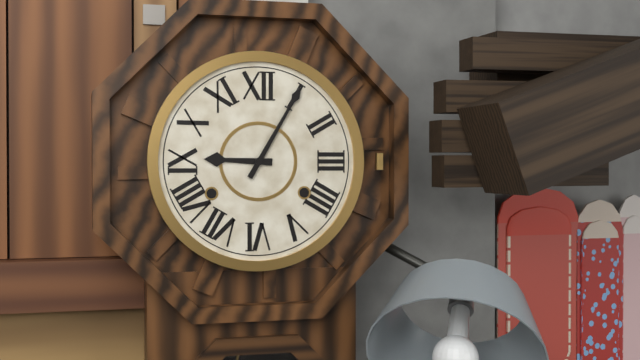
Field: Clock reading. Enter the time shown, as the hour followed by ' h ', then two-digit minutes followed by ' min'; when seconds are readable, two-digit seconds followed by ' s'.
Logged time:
9 h 05 min
